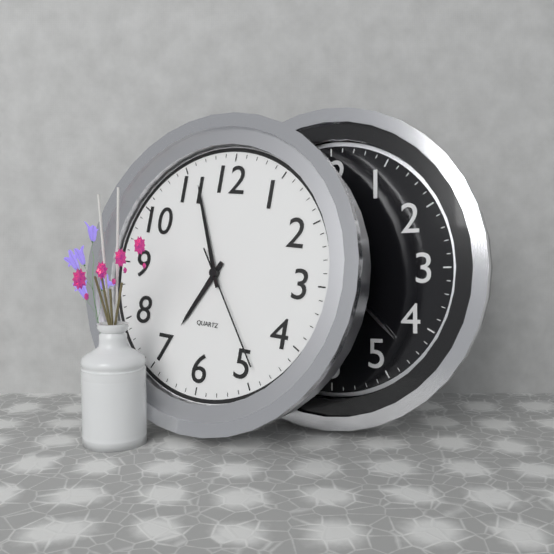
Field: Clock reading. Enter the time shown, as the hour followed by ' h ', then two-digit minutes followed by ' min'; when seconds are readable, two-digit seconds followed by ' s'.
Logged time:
6 h 56 min 24 s
